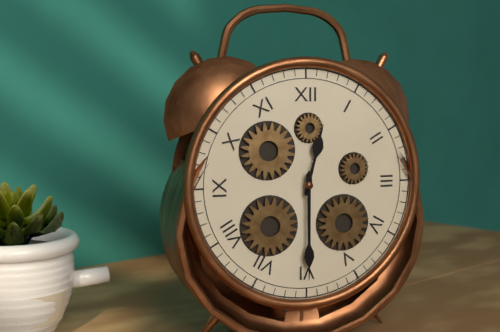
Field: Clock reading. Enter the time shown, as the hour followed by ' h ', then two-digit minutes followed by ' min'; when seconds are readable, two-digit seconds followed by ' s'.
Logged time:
12 h 30 min
